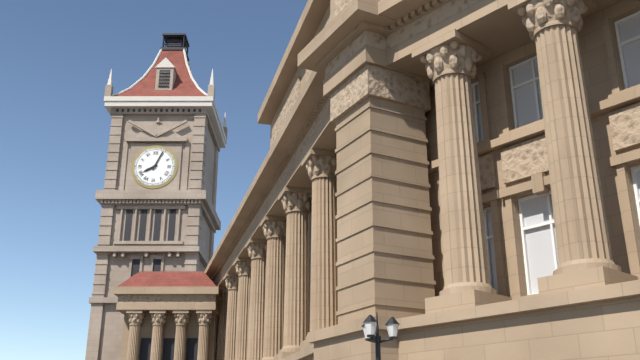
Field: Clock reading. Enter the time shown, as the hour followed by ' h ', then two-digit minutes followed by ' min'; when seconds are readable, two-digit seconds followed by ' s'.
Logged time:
8 h 04 min
